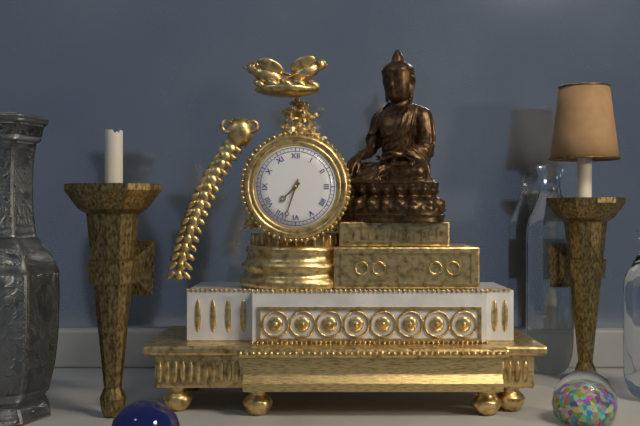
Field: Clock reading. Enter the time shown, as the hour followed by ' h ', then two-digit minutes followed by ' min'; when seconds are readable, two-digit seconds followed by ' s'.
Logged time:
7 h 33 min
